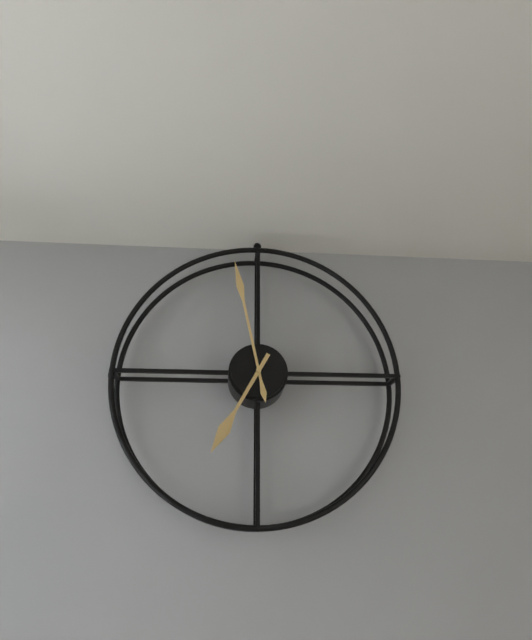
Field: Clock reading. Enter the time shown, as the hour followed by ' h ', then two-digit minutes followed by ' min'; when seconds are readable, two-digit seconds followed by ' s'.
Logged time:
6 h 58 min
